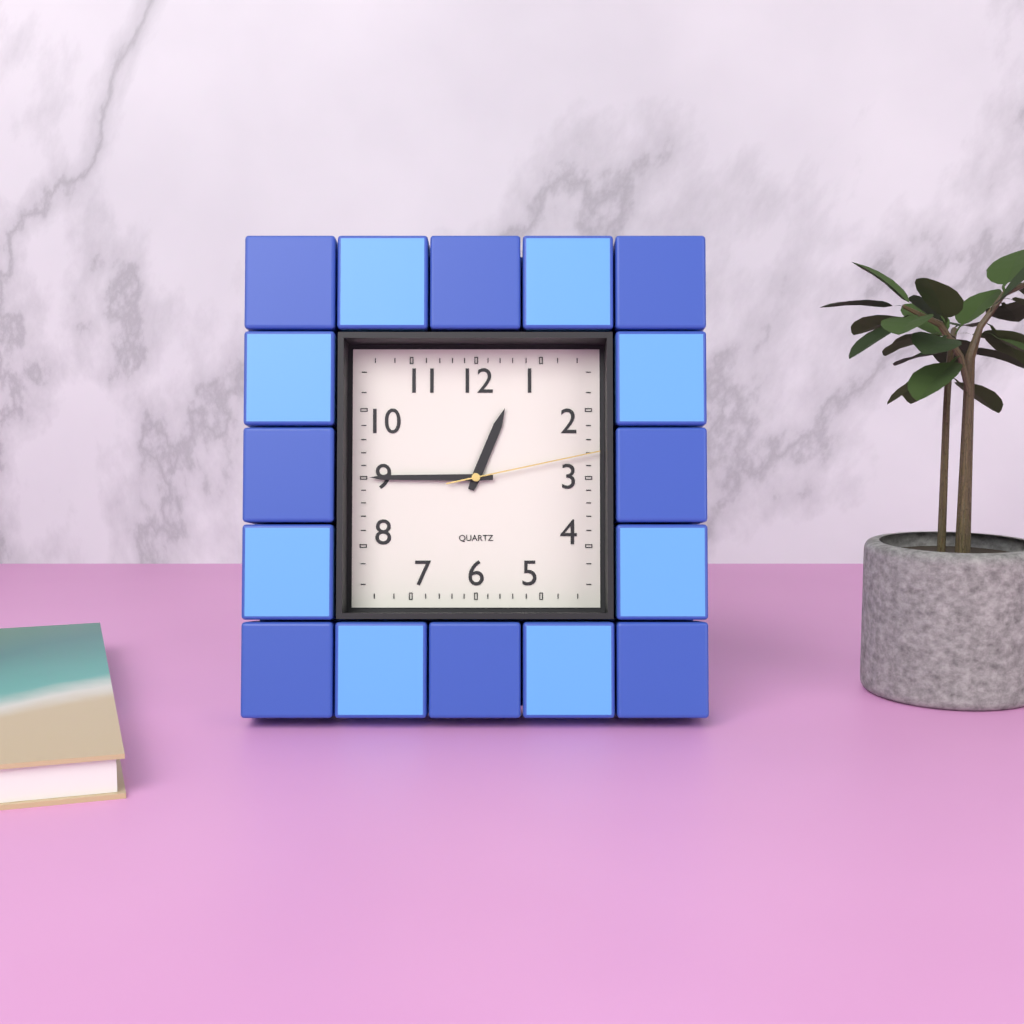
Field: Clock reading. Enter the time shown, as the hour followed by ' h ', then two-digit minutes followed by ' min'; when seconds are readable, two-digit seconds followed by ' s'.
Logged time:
12 h 45 min 13 s
